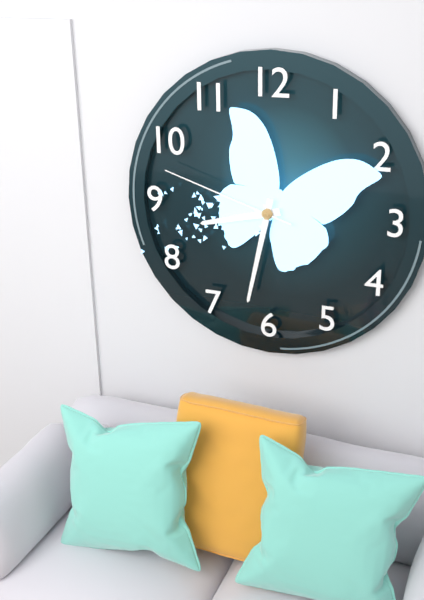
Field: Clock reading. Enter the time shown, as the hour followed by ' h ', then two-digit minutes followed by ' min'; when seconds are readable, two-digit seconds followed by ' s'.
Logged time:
8 h 32 min 48 s
